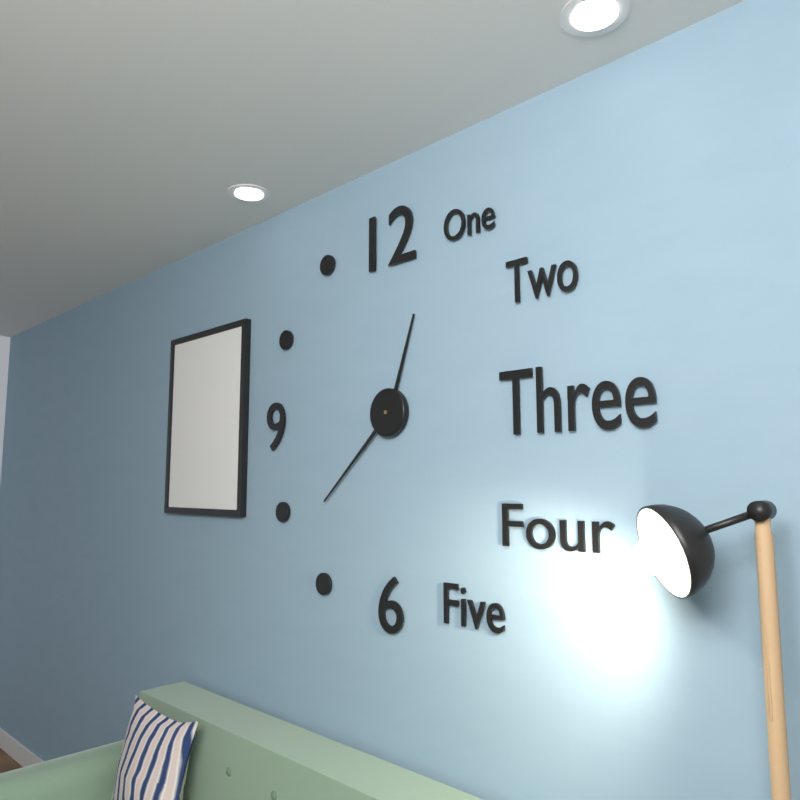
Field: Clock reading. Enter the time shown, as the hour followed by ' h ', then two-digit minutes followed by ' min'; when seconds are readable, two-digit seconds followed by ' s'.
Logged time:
12 h 38 min
